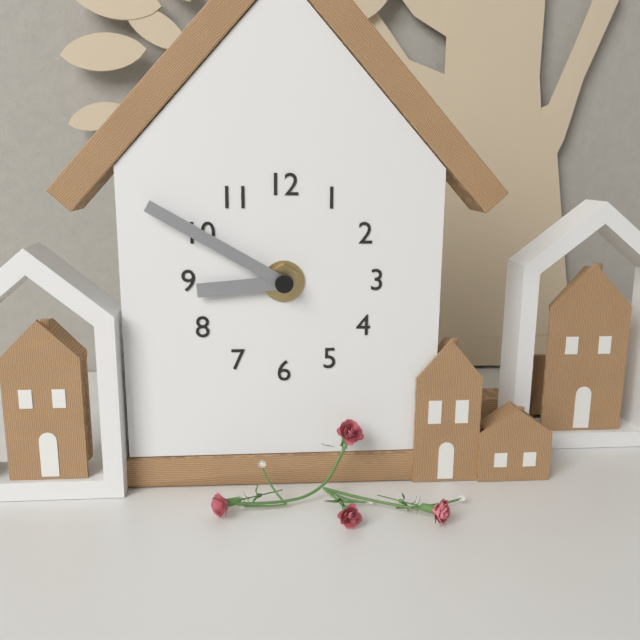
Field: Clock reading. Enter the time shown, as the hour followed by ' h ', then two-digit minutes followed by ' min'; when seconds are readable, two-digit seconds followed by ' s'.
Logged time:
8 h 50 min
